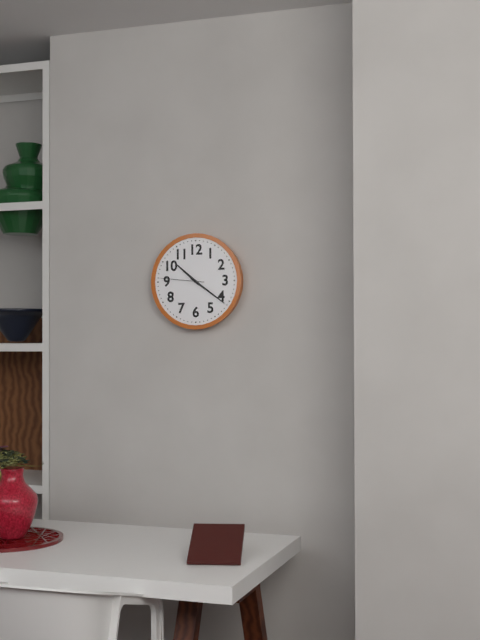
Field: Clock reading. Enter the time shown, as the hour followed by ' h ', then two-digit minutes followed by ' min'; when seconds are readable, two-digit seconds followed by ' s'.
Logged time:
10 h 21 min
